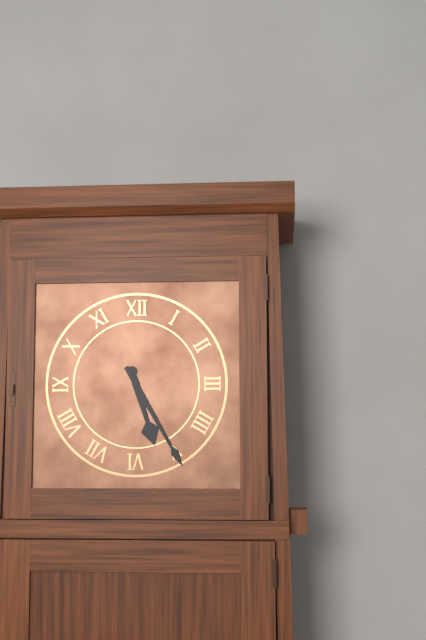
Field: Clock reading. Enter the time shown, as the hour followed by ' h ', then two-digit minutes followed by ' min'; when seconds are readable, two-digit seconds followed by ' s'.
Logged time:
5 h 25 min
